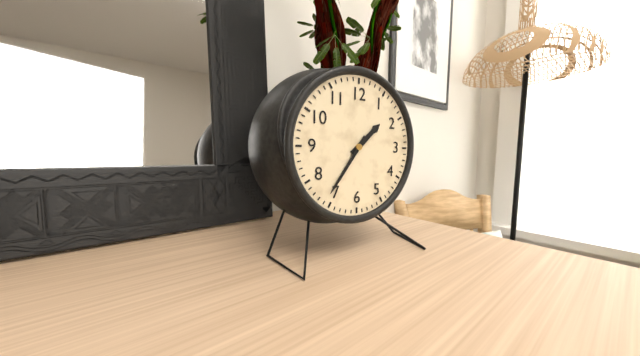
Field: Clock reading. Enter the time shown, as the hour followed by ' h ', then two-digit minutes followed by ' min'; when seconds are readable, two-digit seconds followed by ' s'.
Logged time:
1 h 36 min
